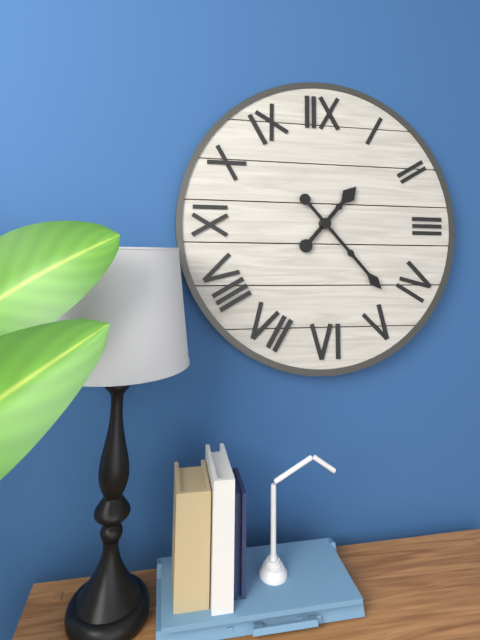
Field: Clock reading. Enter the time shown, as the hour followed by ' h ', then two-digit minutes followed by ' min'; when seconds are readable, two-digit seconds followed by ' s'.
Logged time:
1 h 23 min
